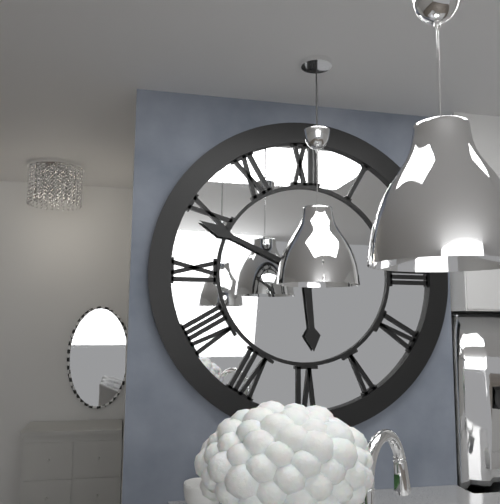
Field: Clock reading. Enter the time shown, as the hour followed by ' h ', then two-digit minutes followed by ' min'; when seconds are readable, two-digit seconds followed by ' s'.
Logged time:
5 h 49 min
